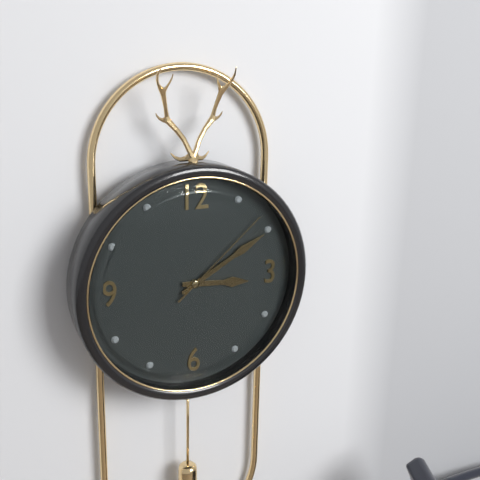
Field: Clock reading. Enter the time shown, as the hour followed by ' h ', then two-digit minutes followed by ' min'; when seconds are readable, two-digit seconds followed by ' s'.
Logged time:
3 h 10 min 08 s
